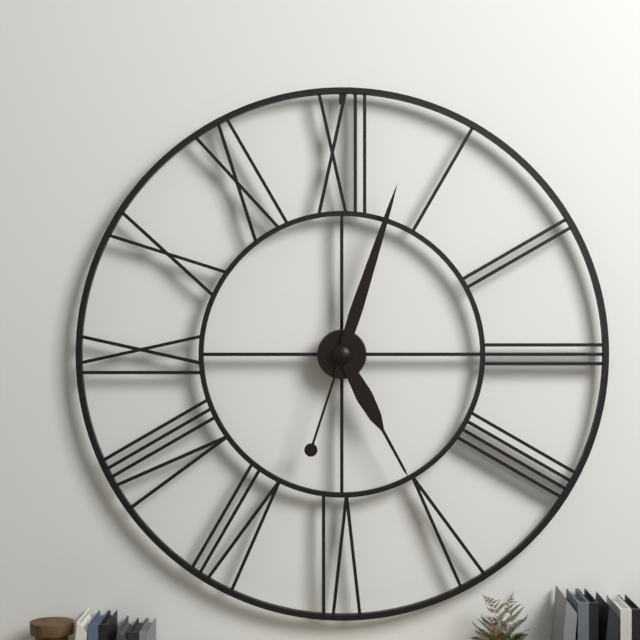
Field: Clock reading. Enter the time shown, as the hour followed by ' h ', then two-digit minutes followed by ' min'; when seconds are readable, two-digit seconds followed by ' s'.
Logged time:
5 h 03 min
